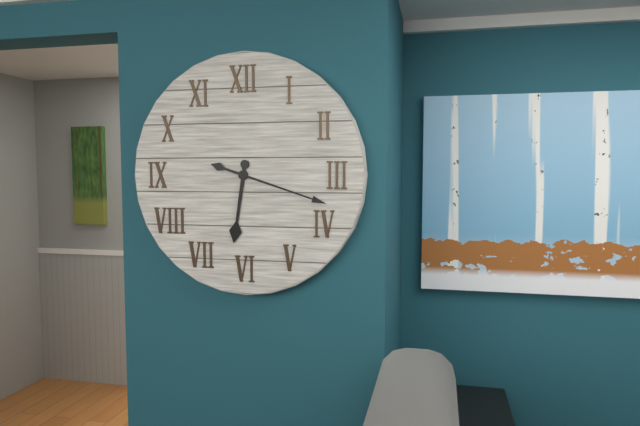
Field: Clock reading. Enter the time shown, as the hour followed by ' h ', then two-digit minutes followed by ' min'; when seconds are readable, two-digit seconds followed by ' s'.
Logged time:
6 h 18 min
